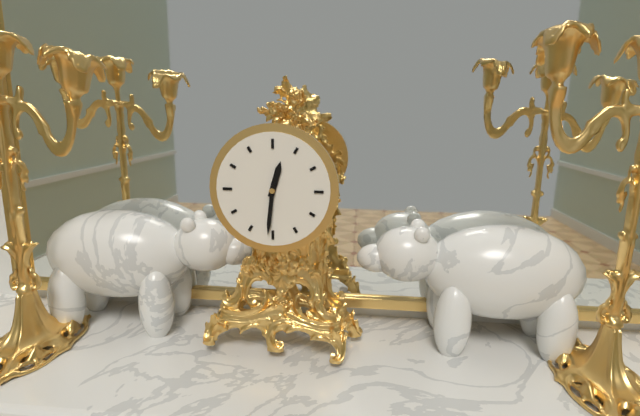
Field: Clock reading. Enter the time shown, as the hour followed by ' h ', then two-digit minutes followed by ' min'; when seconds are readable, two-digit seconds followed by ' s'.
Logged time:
12 h 31 min
